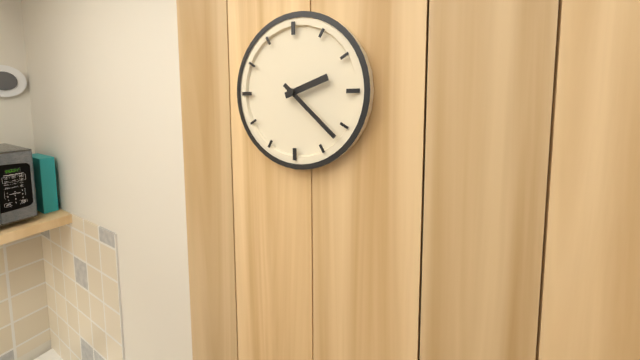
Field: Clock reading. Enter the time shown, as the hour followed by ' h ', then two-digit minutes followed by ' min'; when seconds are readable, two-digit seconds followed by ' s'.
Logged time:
2 h 22 min
